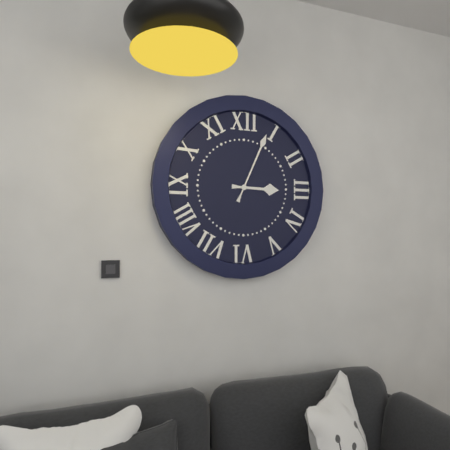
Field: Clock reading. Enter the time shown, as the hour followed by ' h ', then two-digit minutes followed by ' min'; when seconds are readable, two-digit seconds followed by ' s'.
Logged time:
3 h 04 min
